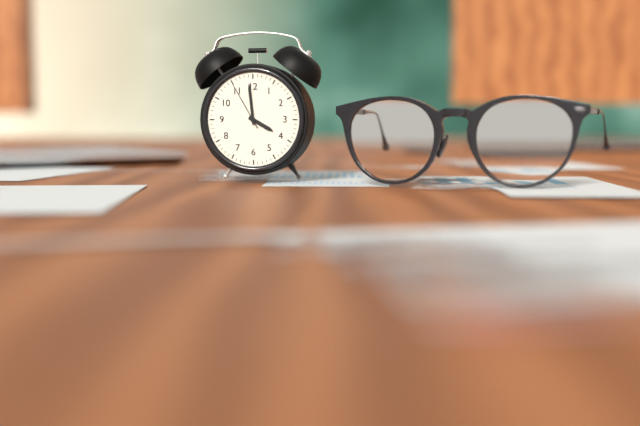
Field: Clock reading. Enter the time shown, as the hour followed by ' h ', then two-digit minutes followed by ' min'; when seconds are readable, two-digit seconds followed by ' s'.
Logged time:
3 h 59 min 55 s
